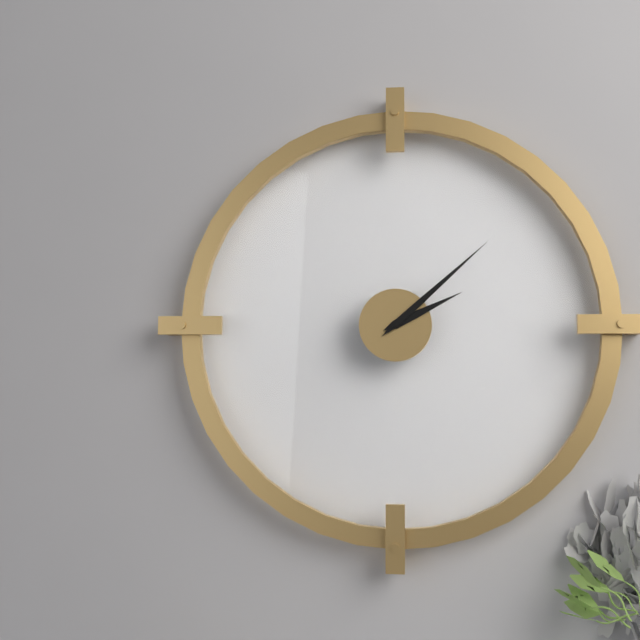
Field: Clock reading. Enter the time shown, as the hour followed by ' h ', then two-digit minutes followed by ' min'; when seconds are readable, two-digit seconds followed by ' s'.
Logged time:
2 h 08 min
